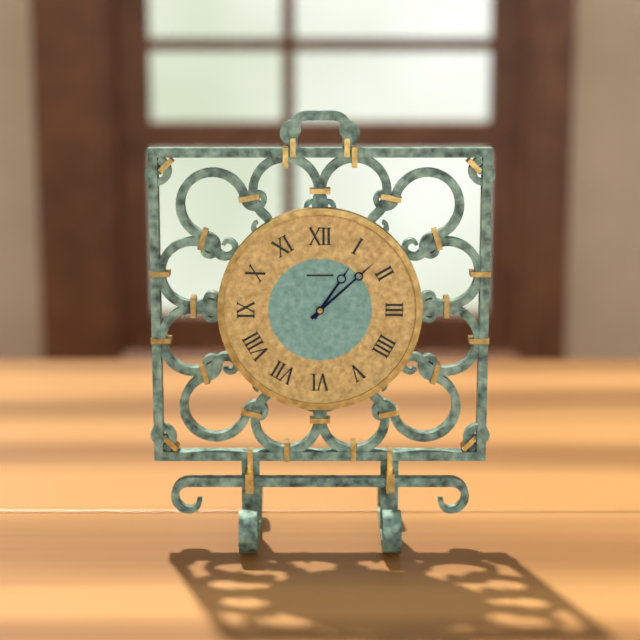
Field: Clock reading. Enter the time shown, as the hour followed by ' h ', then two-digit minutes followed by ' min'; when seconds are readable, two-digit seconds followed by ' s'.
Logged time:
1 h 08 min
